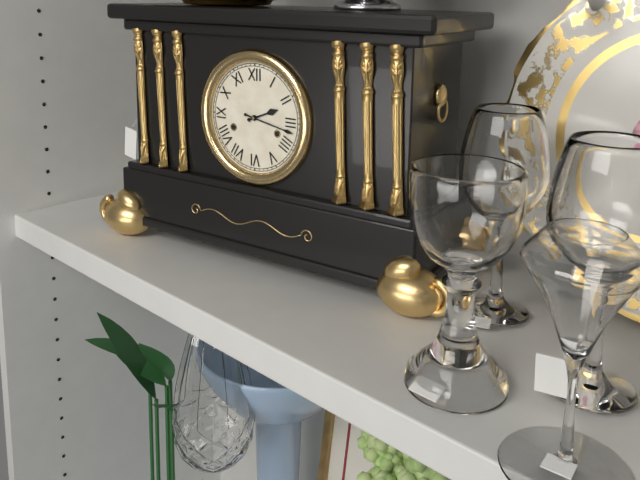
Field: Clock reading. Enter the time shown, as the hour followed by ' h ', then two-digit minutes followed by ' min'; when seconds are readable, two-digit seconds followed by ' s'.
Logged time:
2 h 17 min
